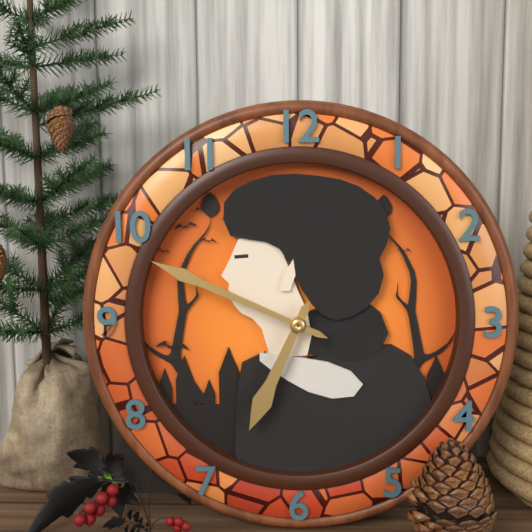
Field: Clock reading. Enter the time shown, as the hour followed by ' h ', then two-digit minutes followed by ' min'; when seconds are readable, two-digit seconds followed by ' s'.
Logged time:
6 h 49 min
